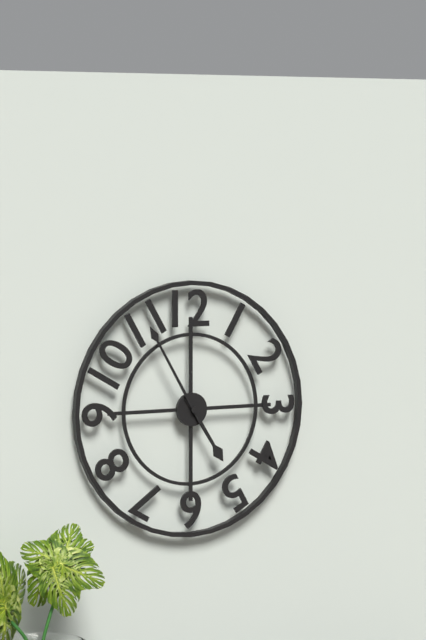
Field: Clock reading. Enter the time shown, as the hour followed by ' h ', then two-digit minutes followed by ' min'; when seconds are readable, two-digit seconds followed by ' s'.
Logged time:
4 h 55 min
